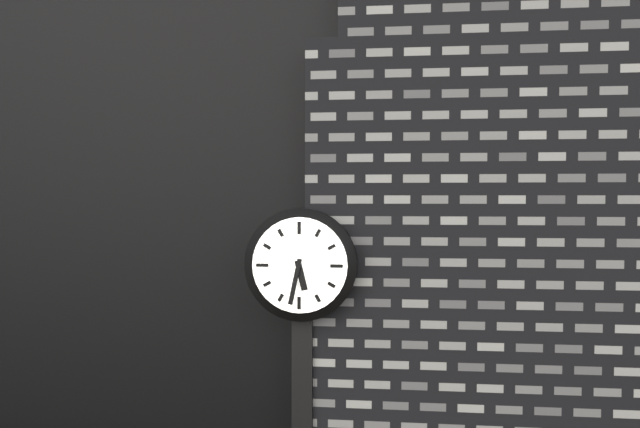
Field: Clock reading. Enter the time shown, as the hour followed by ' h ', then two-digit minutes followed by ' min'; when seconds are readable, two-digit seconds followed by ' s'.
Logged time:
5 h 32 min
